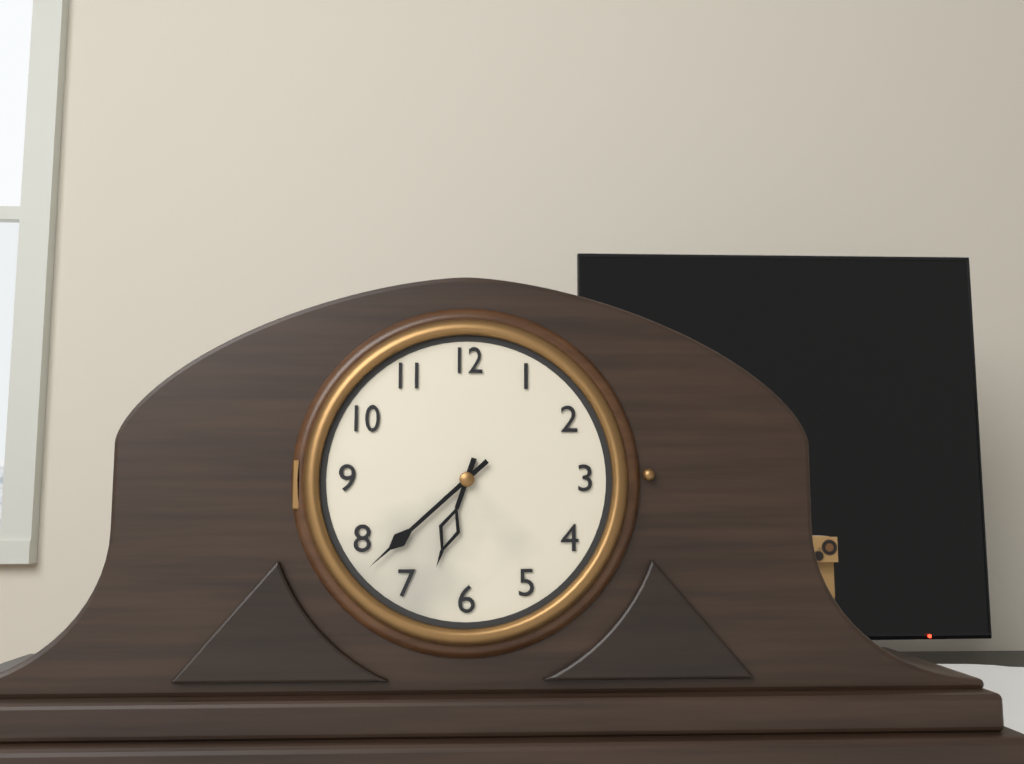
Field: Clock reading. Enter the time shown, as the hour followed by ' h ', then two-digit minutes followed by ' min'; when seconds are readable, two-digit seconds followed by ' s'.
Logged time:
6 h 38 min
